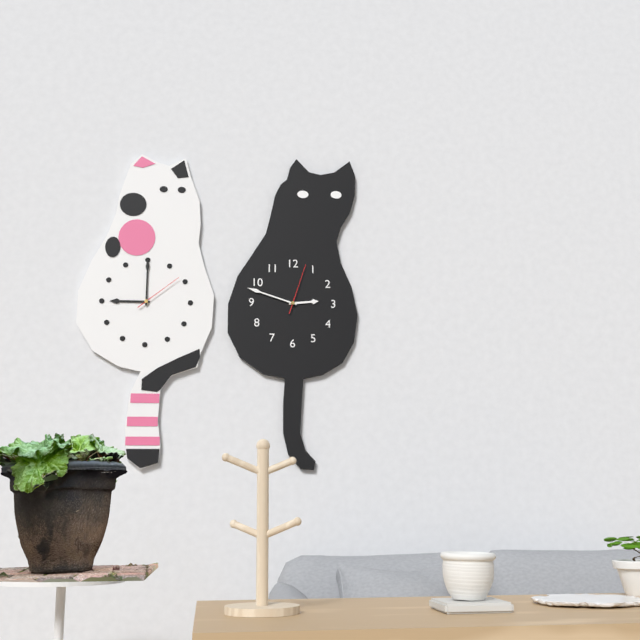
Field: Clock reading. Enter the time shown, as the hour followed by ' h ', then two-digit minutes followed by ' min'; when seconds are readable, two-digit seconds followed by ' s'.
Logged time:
2 h 48 min 03 s
